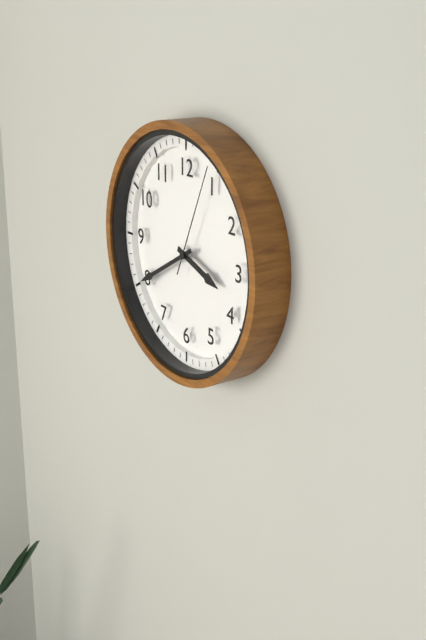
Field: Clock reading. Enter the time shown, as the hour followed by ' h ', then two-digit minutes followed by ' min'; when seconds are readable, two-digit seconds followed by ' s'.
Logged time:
3 h 40 min 04 s
